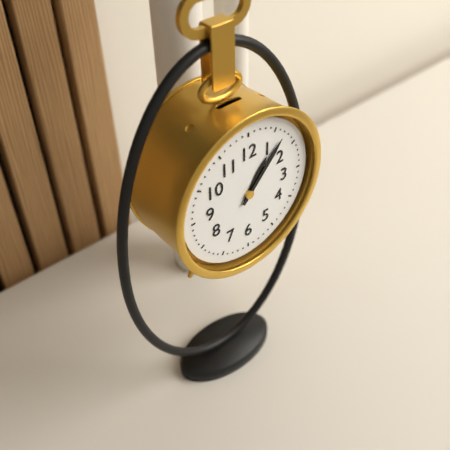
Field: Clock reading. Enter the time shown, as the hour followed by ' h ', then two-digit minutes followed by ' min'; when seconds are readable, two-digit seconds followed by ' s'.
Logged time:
1 h 07 min
